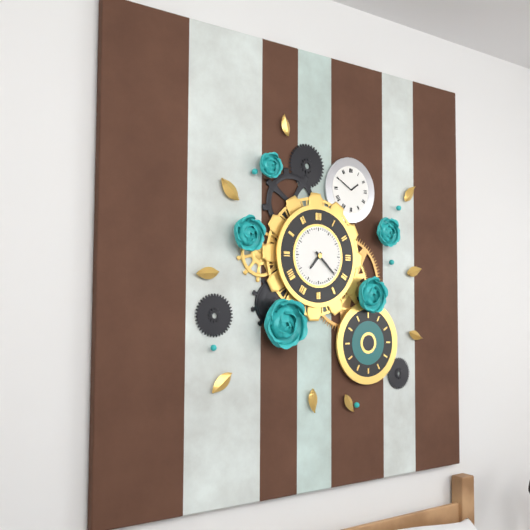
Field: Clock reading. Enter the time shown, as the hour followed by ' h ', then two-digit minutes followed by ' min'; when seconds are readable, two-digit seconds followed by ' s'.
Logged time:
7 h 22 min
